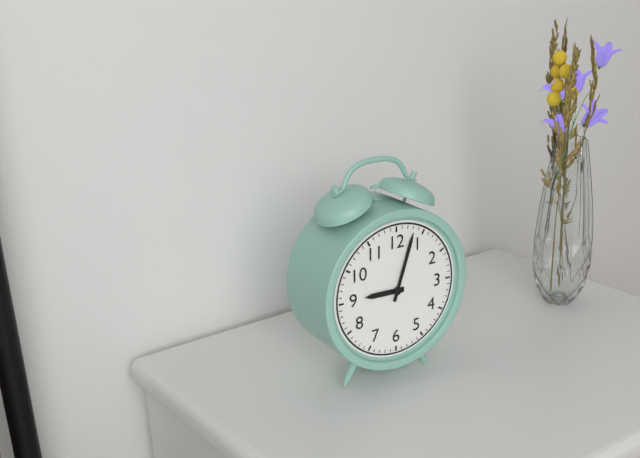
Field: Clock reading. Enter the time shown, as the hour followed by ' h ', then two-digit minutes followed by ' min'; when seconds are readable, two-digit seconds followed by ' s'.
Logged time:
9 h 03 min
